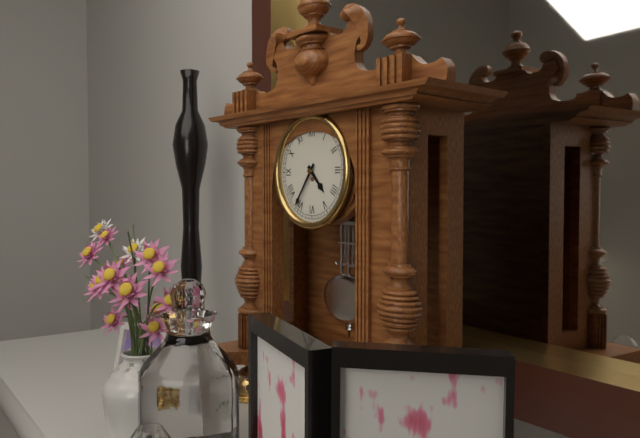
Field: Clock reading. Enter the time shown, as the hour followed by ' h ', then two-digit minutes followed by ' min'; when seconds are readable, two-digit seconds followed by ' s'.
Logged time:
4 h 36 min
